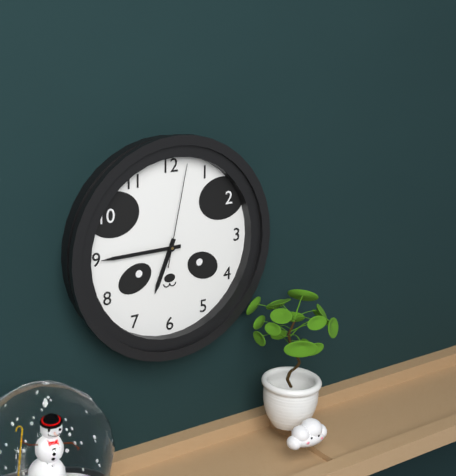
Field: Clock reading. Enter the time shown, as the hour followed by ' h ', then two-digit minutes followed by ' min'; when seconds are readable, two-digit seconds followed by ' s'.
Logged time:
6 h 45 min 02 s
